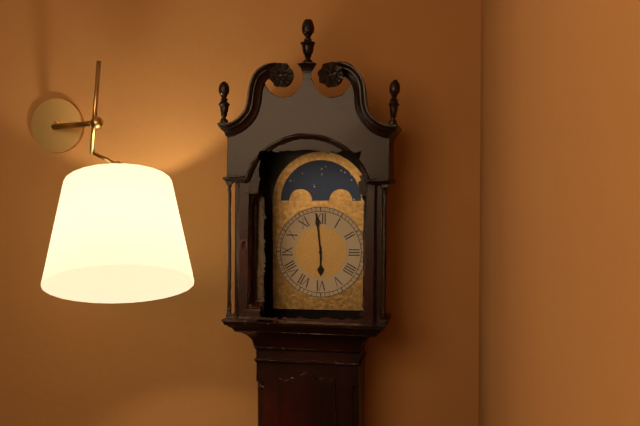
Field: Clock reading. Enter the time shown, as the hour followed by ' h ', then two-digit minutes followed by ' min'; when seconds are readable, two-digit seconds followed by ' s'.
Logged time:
5 h 59 min
